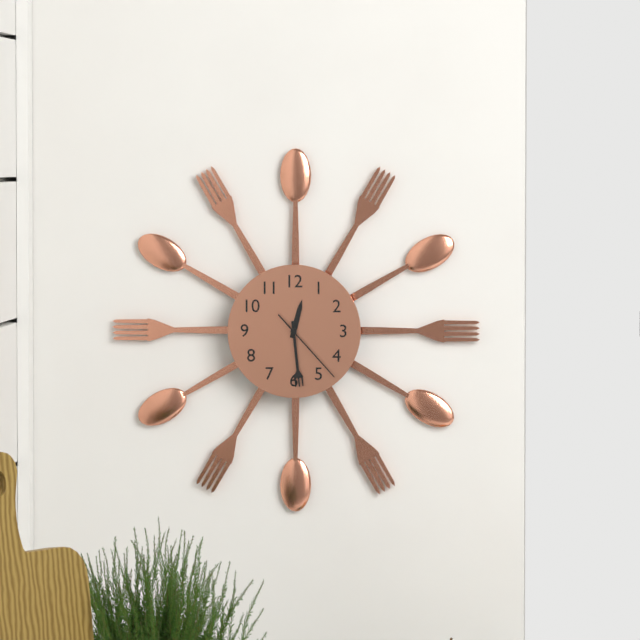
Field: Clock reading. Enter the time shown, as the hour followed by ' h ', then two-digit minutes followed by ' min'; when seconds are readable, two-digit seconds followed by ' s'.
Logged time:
12 h 29 min 23 s
